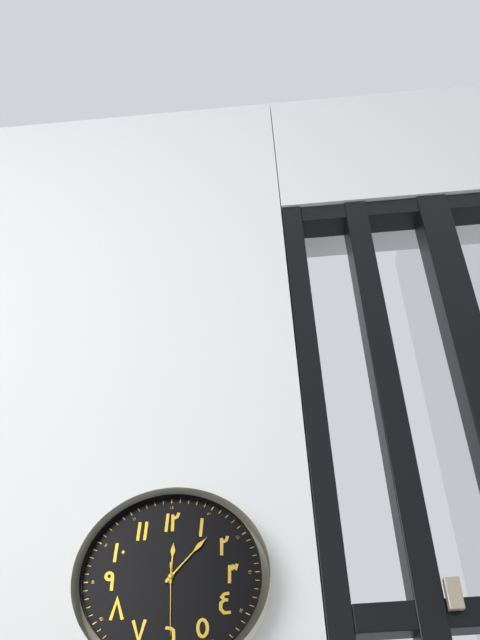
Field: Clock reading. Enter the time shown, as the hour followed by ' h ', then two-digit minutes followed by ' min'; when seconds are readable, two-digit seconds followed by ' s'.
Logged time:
12 h 07 min 30 s
